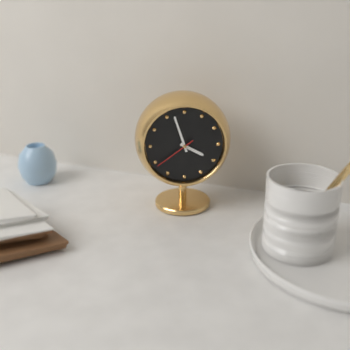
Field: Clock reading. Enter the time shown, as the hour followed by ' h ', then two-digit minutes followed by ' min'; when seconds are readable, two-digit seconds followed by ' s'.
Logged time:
3 h 57 min
